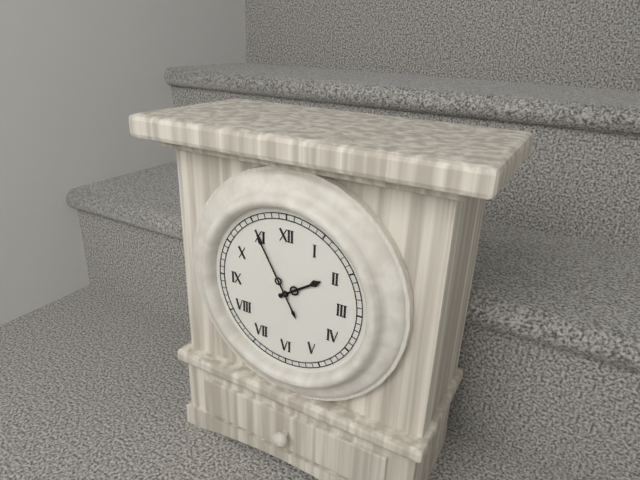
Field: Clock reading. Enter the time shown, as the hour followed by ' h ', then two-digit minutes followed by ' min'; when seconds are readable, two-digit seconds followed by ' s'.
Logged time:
1 h 55 min
